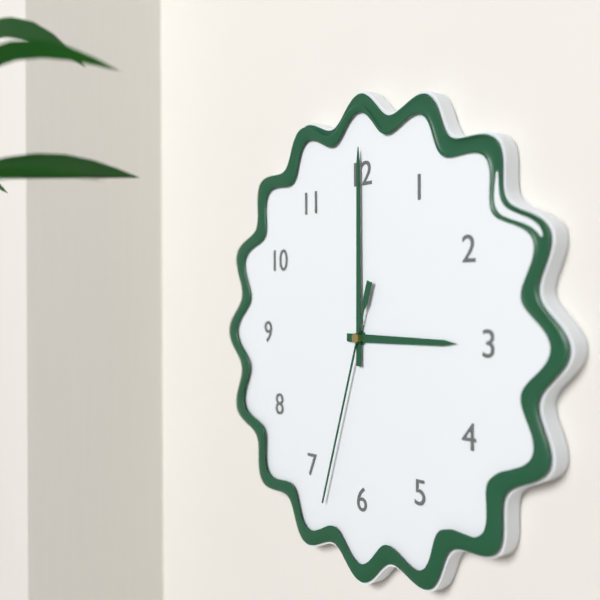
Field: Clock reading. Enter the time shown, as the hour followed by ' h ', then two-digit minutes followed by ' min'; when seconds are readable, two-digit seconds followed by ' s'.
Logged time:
3 h 00 min 33 s
